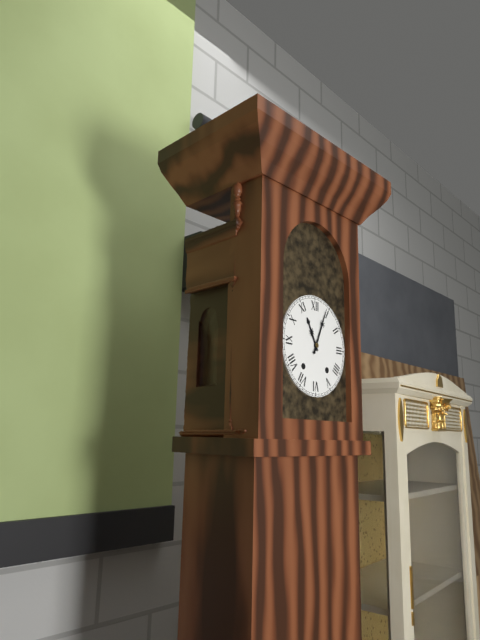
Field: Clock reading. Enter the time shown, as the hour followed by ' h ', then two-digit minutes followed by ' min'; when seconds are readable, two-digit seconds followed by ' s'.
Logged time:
11 h 04 min
